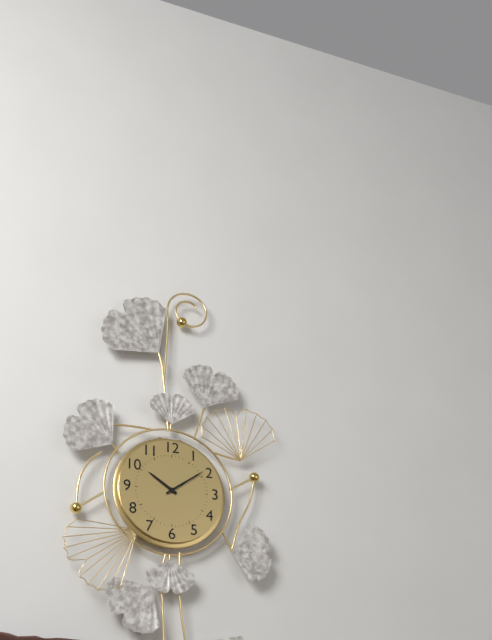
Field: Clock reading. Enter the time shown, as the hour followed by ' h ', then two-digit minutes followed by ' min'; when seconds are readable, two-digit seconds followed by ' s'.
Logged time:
10 h 09 min
